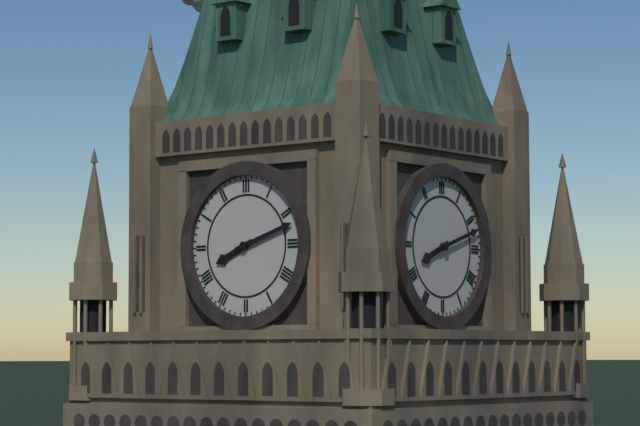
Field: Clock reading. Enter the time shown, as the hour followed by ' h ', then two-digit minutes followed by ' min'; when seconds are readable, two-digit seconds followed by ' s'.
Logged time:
8 h 12 min
